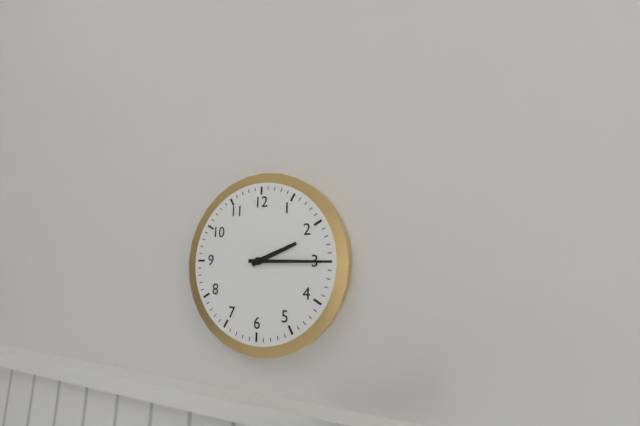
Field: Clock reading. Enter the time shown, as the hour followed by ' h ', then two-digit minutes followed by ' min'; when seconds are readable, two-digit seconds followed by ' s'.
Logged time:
2 h 15 min
